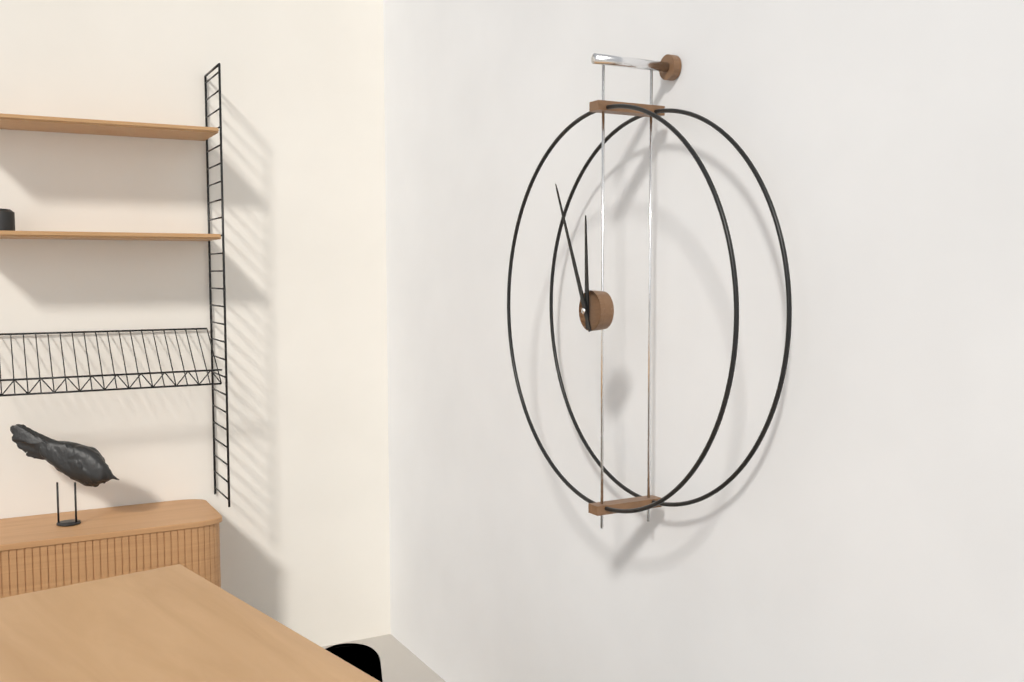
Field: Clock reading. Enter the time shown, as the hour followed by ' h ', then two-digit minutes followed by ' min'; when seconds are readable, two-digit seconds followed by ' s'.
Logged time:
11 h 56 min
